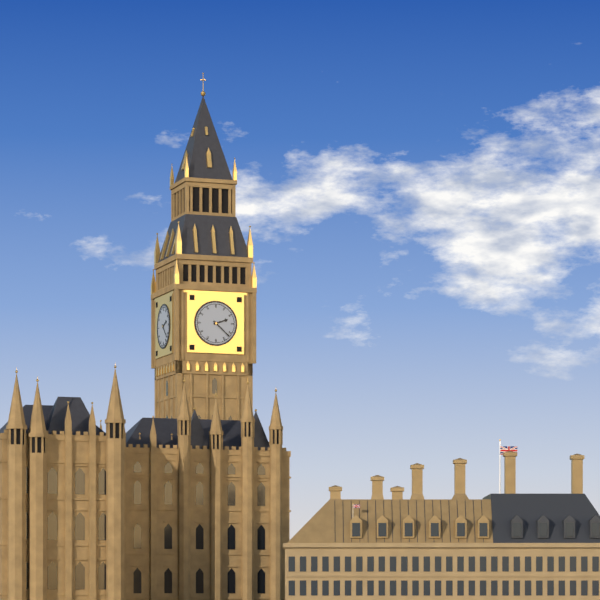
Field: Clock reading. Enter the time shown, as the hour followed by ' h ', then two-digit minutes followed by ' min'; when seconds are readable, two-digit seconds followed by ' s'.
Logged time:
2 h 22 min
